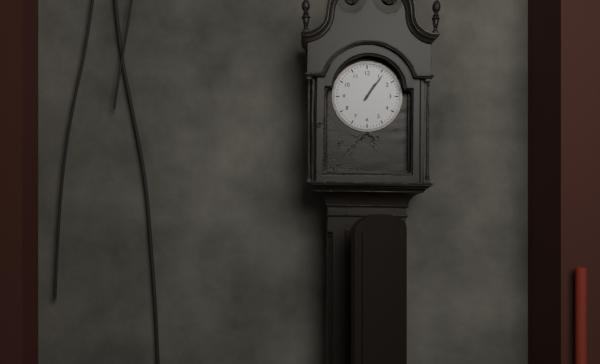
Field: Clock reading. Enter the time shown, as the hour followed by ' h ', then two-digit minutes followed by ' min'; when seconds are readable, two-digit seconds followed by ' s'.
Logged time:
1 h 06 min
